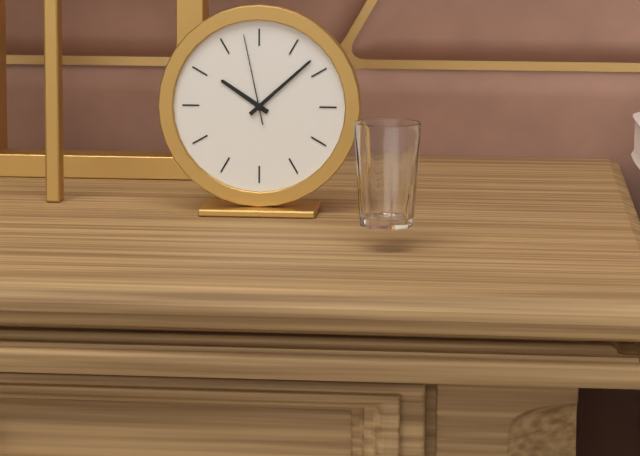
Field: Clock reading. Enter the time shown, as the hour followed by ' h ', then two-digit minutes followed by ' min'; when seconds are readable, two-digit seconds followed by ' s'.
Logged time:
10 h 08 min 58 s
